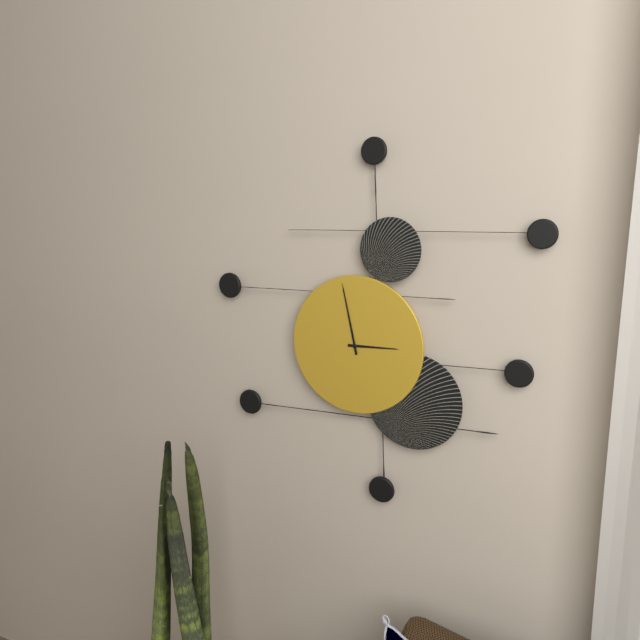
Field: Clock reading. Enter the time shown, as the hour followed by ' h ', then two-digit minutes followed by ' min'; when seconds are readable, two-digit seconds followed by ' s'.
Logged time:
2 h 58 min
